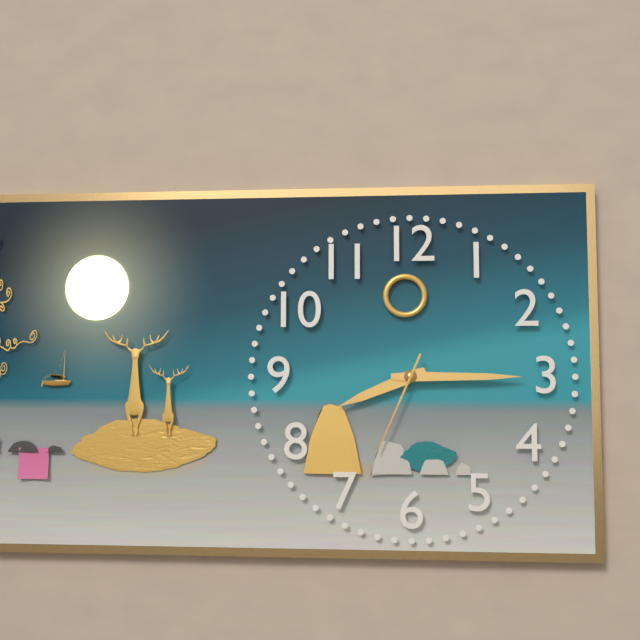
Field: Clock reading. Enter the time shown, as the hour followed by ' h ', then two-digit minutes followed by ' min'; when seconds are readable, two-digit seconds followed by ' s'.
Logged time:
8 h 15 min 34 s
